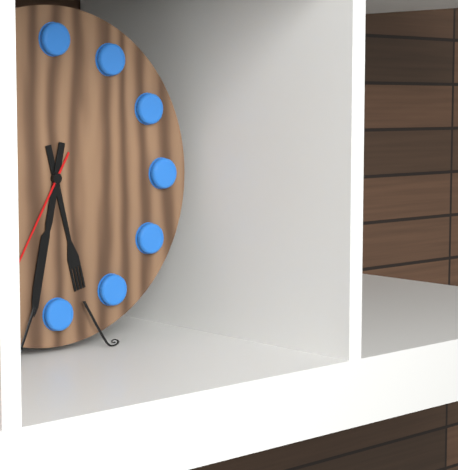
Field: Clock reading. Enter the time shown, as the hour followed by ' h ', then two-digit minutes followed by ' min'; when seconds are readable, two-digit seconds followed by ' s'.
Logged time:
5 h 32 min 35 s
